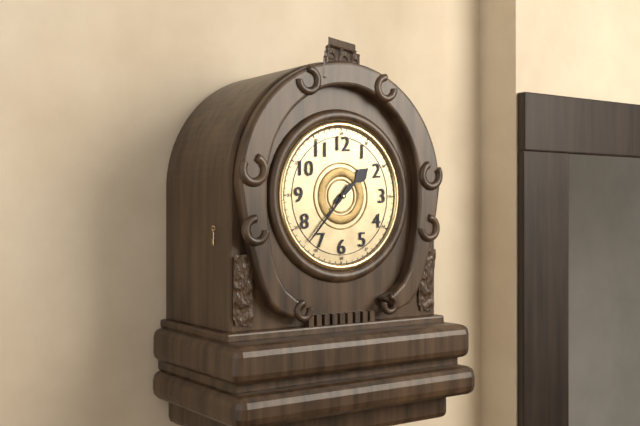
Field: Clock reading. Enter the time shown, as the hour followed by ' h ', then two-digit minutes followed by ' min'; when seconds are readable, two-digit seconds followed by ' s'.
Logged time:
1 h 37 min
